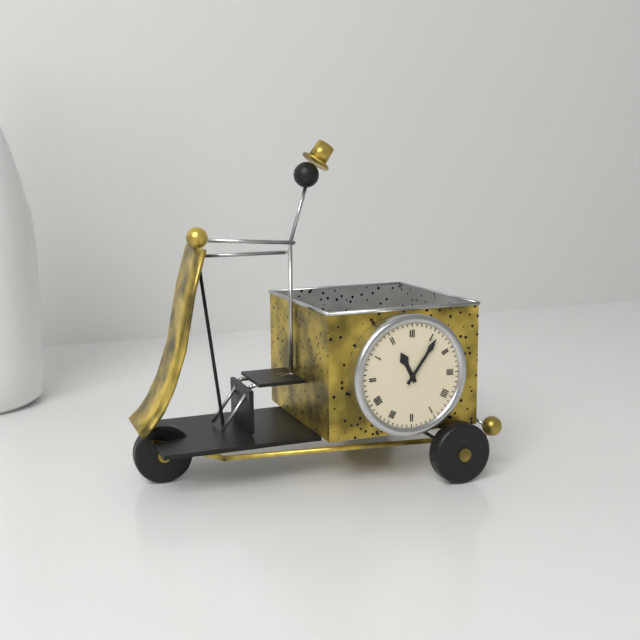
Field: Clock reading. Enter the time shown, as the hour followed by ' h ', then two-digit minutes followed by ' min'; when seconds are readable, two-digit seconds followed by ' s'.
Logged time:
11 h 06 min
